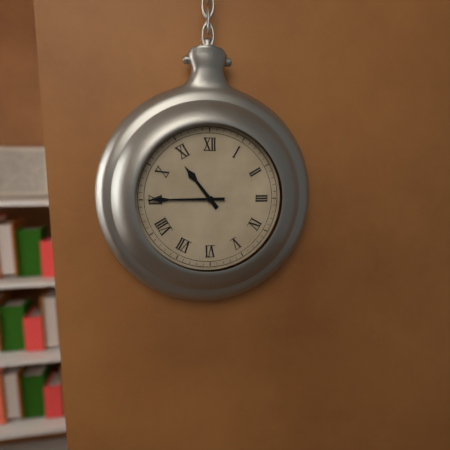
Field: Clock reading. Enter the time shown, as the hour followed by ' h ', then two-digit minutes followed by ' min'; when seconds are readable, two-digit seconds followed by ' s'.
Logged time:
10 h 45 min
